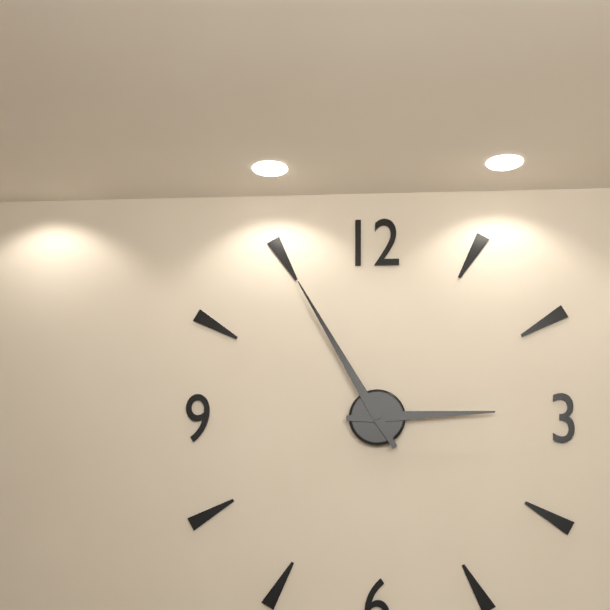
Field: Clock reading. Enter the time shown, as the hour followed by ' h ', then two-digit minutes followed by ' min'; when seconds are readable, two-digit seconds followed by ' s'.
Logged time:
2 h 55 min
